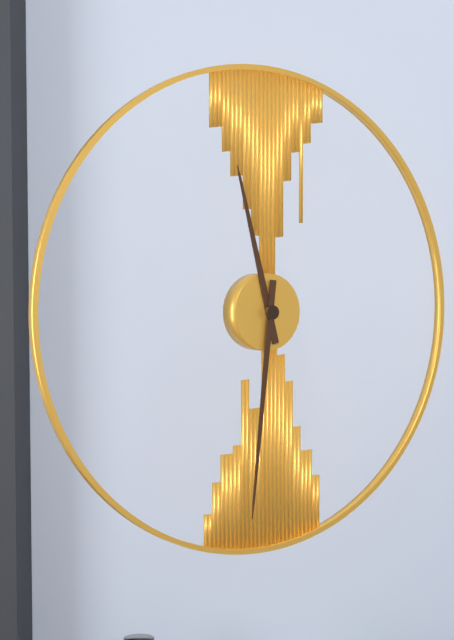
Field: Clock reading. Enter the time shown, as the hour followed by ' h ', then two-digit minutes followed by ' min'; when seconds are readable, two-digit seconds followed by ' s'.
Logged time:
11 h 31 min
